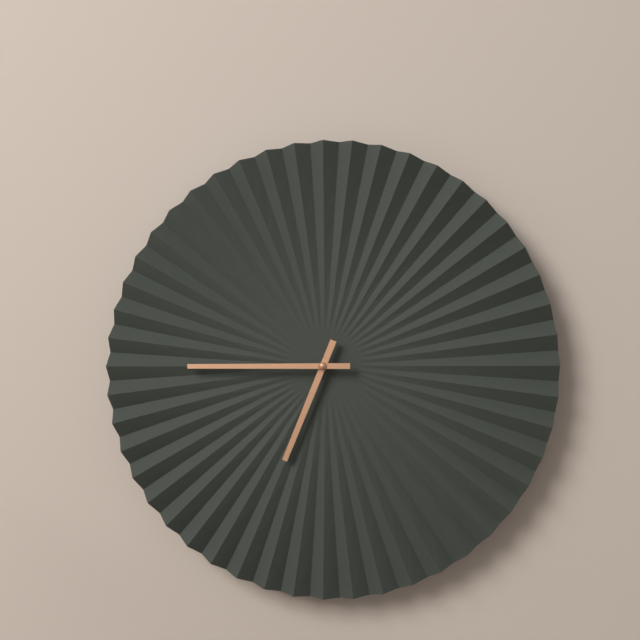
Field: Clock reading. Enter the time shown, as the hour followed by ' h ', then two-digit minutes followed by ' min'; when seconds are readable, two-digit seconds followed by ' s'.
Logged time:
6 h 45 min
